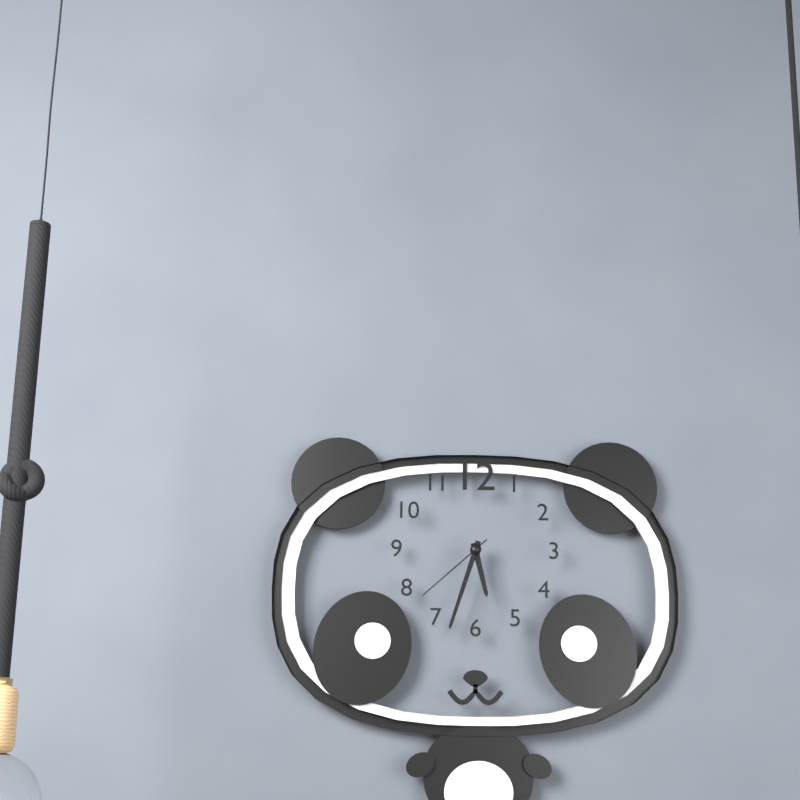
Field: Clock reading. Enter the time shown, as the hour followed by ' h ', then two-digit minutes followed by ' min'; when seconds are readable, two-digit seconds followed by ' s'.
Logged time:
5 h 33 min 38 s
